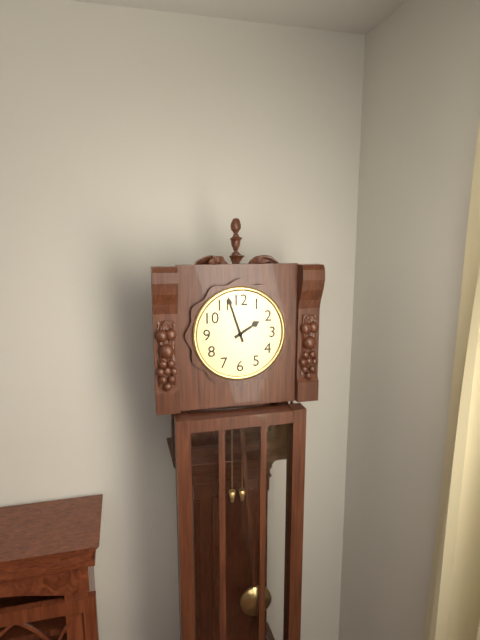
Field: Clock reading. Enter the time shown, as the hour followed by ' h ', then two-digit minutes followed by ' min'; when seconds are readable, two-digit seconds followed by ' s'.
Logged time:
1 h 57 min
